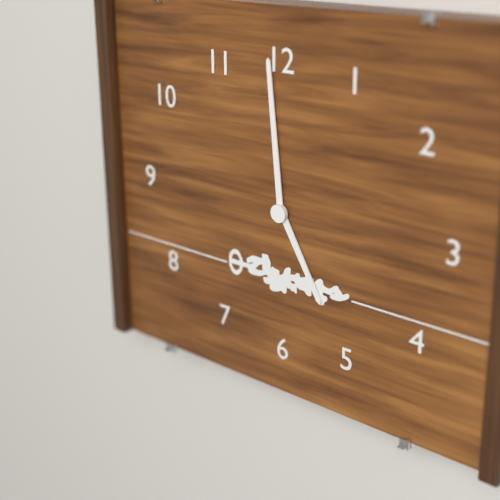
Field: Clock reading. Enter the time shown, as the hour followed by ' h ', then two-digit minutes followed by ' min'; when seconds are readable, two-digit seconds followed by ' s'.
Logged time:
4 h 59 min
